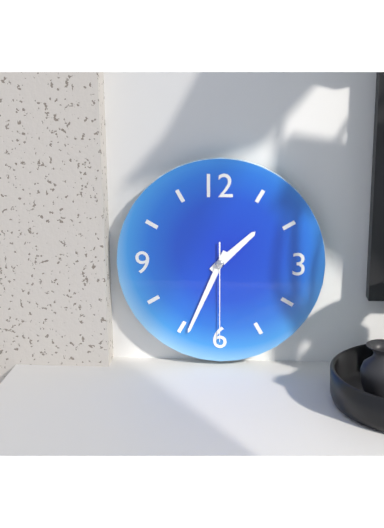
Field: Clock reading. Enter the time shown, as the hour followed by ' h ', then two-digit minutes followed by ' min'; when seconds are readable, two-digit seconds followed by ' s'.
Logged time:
1 h 34 min 30 s
